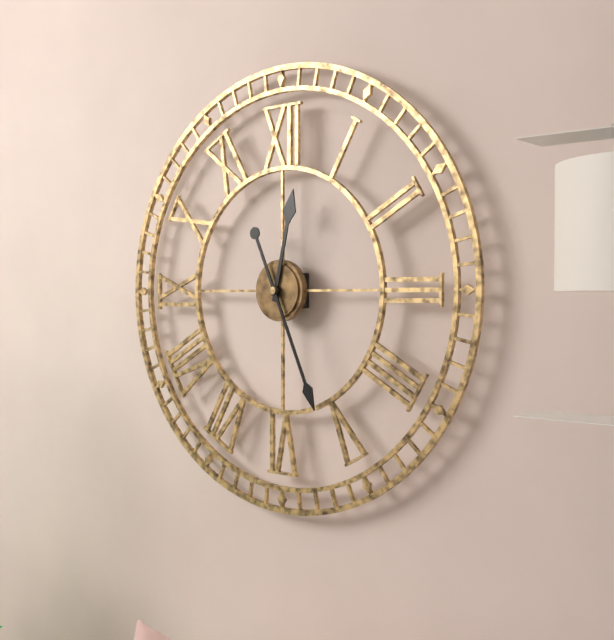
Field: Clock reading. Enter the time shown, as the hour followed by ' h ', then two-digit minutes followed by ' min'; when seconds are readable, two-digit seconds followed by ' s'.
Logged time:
12 h 26 min
